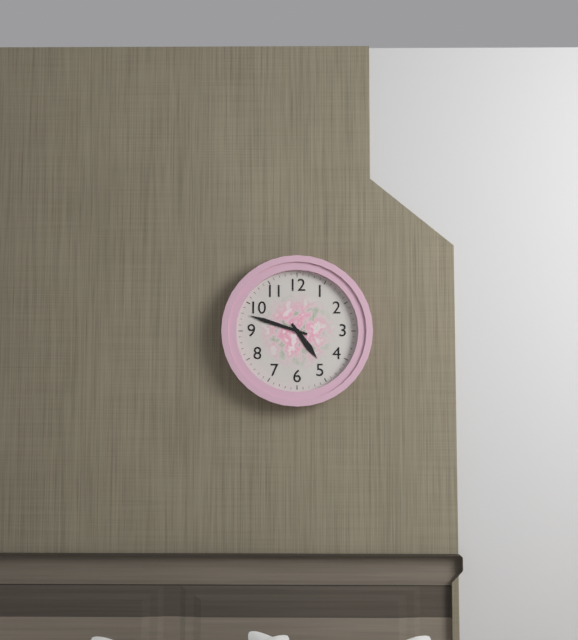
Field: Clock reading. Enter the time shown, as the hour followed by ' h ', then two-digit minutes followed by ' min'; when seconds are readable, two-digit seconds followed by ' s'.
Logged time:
4 h 48 min
